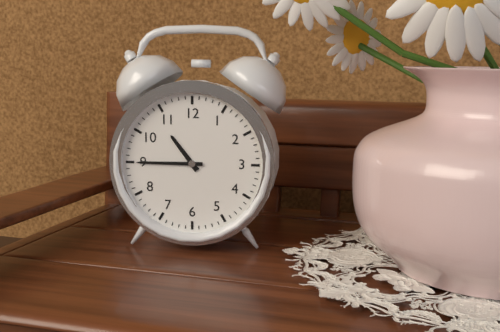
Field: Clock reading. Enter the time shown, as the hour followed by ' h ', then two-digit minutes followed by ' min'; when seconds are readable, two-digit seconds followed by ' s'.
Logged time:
10 h 45 min
